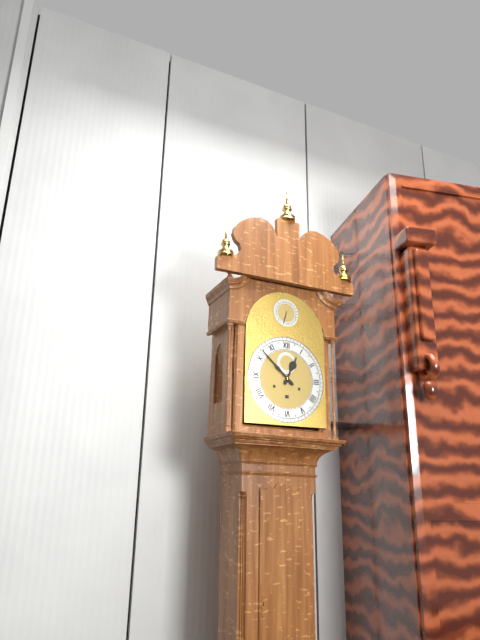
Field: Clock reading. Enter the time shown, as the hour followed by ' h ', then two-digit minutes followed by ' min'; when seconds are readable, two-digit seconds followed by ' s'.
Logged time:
12 h 52 min
